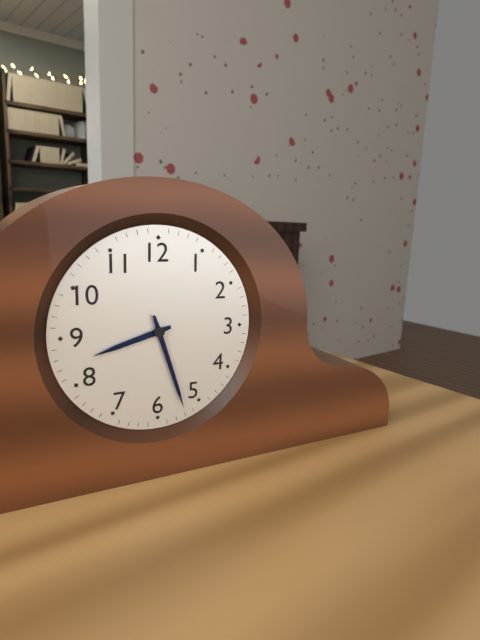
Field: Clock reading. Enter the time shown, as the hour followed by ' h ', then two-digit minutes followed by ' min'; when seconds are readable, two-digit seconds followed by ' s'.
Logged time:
8 h 27 min
